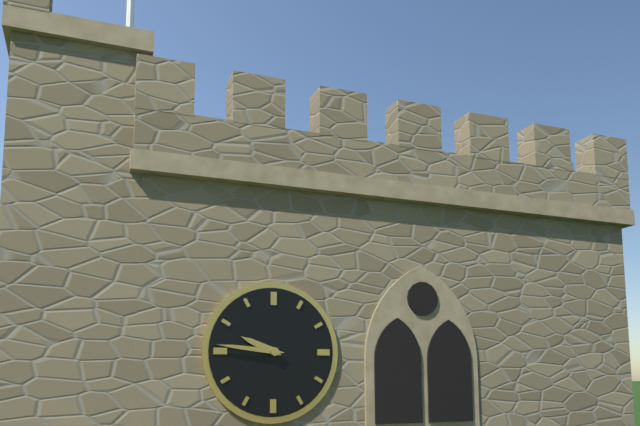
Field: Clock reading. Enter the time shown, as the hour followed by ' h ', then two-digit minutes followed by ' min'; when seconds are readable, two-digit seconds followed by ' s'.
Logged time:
9 h 46 min
